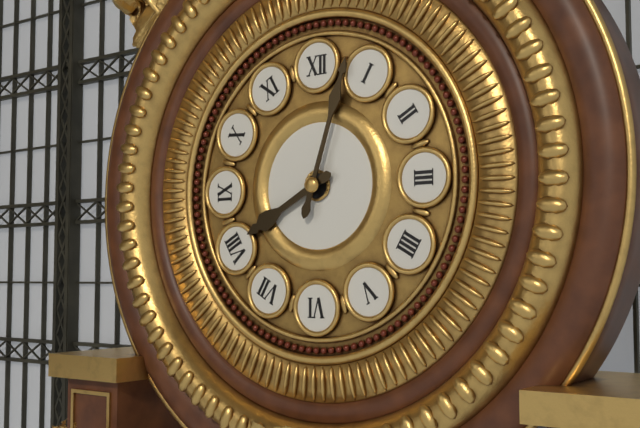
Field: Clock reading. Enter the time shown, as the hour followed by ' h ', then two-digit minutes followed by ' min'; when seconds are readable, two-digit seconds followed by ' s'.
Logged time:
8 h 03 min
